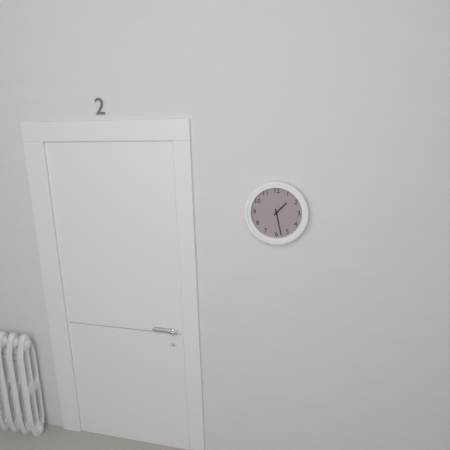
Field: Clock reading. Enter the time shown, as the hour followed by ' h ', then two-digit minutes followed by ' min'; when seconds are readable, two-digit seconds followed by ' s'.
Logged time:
1 h 28 min
